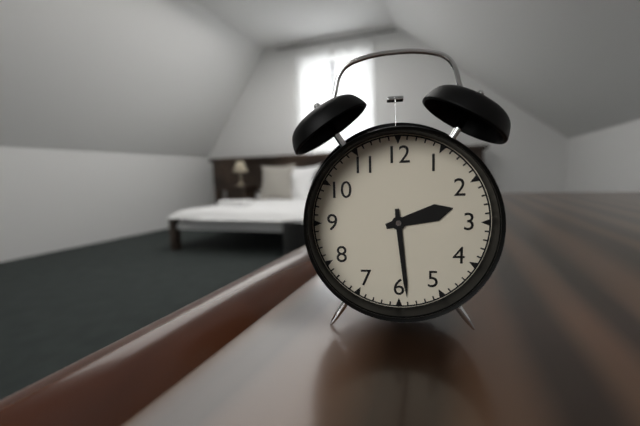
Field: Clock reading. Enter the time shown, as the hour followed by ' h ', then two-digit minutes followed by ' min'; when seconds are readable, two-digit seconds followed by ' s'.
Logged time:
2 h 29 min
